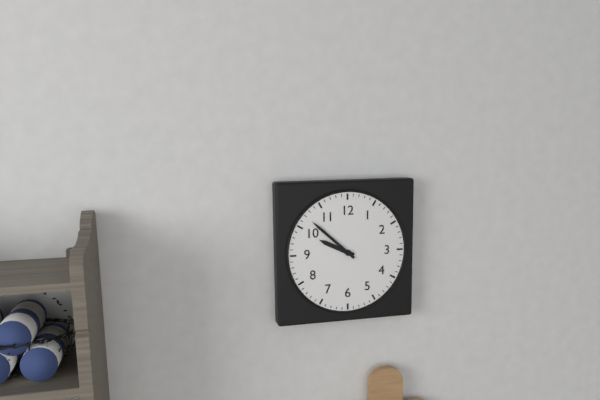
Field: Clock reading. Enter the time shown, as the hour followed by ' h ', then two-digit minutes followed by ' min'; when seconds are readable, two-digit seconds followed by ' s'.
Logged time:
9 h 52 min
